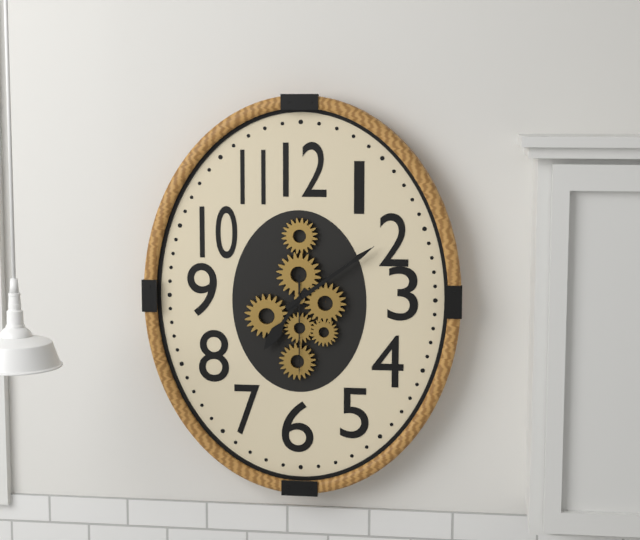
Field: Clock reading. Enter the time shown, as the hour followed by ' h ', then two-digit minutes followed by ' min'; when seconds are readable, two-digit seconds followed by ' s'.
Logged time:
7 h 09 min 30 s
